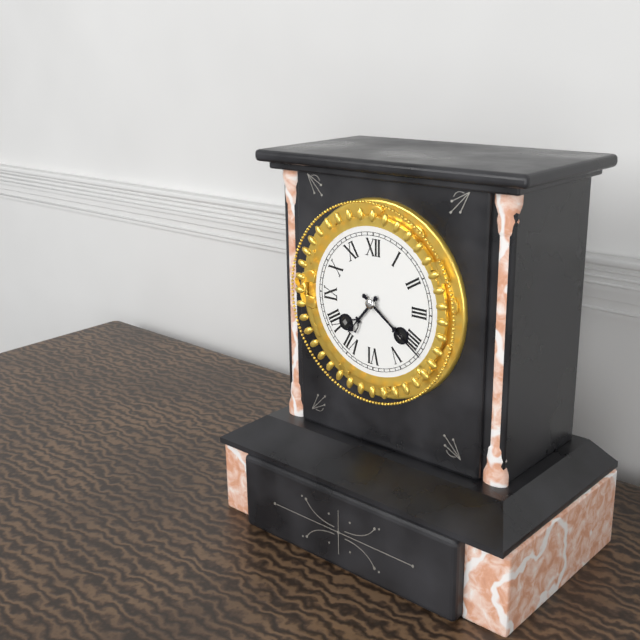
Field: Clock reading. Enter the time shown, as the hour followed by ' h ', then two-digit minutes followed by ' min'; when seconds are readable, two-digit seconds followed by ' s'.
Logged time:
7 h 21 min
